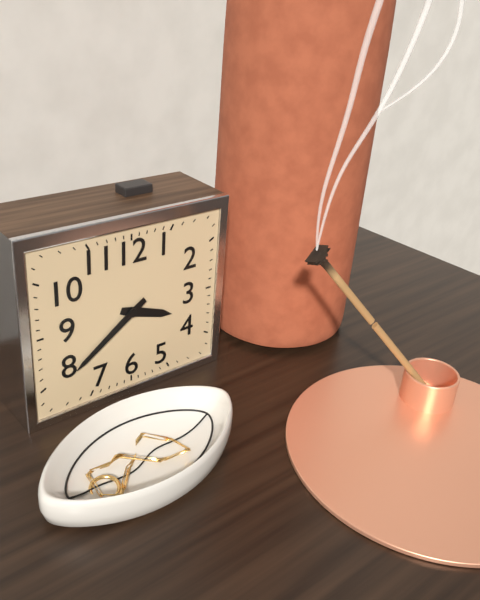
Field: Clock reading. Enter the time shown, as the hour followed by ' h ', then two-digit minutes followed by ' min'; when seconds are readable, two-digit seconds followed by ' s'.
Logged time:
3 h 39 min
